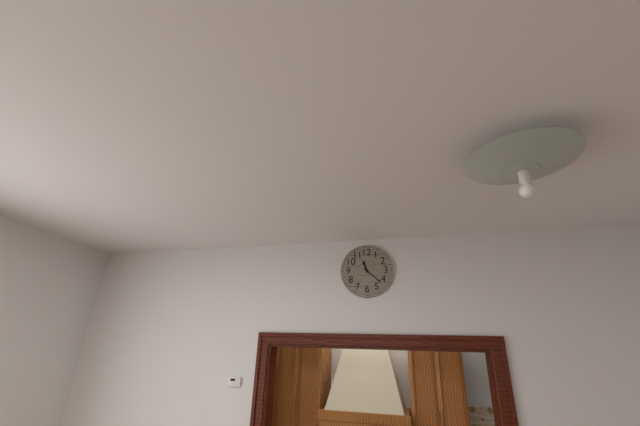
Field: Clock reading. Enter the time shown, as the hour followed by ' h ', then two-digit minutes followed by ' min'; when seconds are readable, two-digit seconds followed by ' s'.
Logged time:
11 h 22 min
